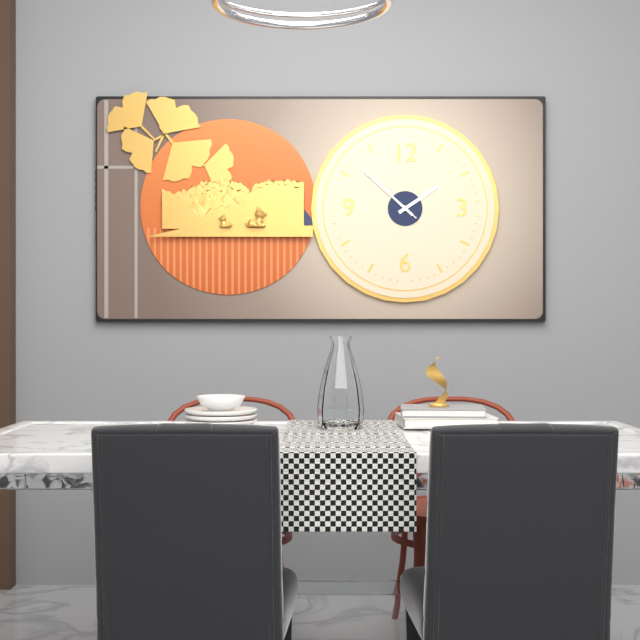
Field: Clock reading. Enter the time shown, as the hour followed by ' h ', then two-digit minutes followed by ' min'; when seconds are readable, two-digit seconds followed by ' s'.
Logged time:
1 h 52 min 52 s
